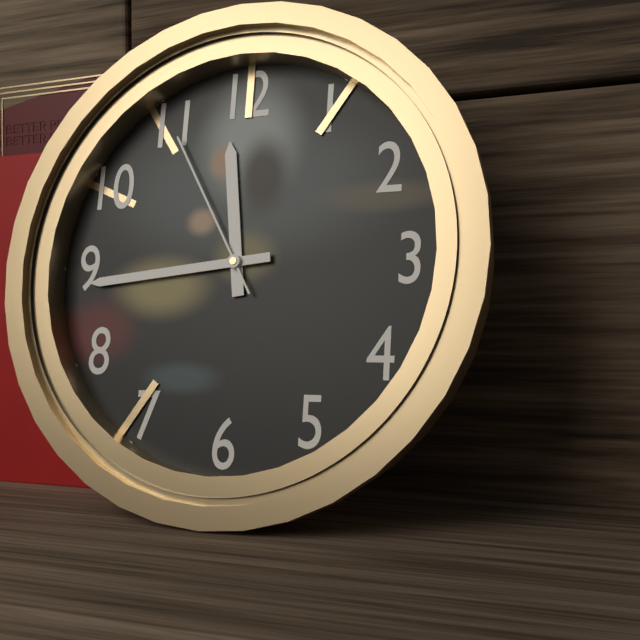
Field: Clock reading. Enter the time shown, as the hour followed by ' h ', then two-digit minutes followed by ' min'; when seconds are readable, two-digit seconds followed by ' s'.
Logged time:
11 h 44 min 55 s
